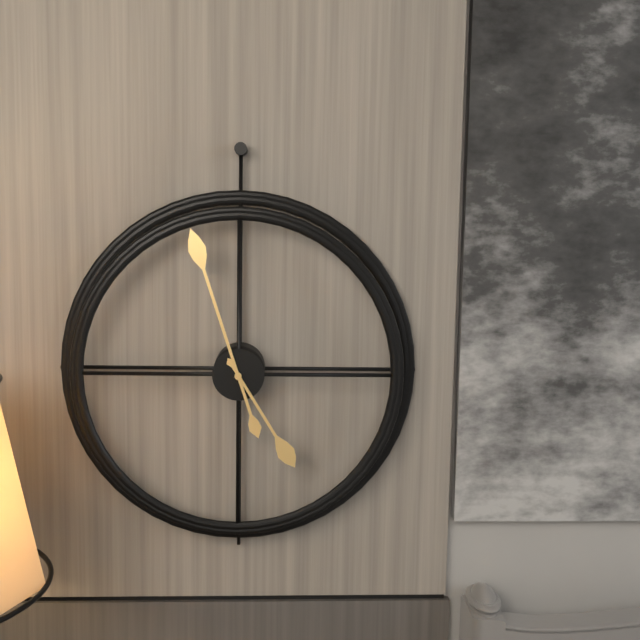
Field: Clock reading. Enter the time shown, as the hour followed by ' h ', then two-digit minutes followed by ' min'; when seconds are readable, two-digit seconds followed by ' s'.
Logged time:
4 h 57 min
